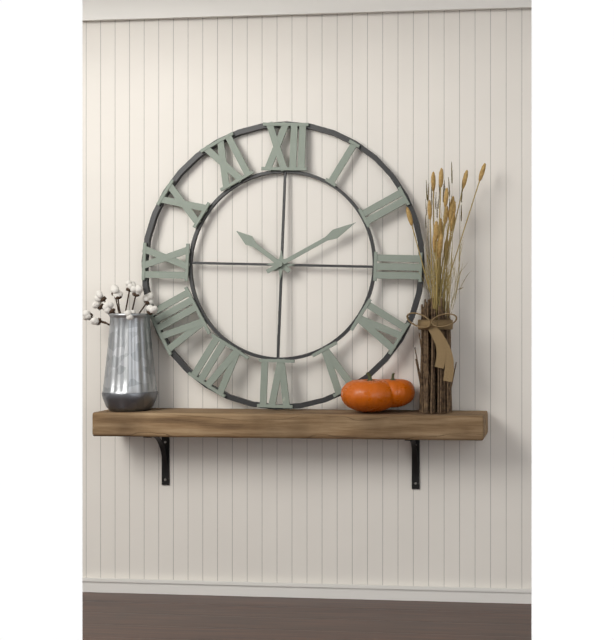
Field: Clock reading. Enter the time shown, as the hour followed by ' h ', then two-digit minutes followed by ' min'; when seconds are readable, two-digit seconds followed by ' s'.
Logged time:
10 h 10 min
